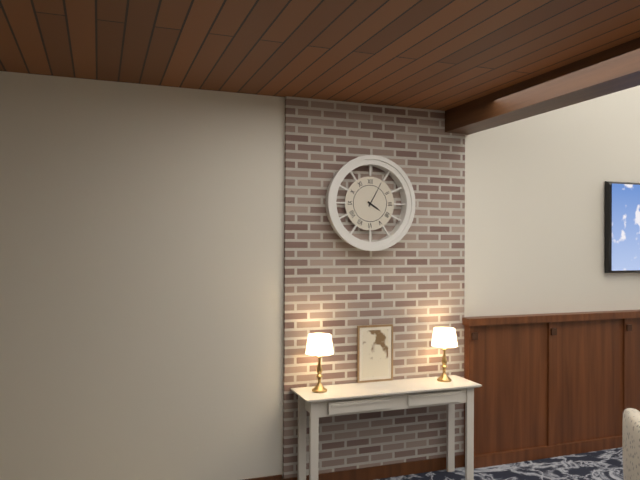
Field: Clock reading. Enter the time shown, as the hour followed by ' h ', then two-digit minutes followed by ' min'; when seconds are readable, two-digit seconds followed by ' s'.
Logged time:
4 h 05 min
